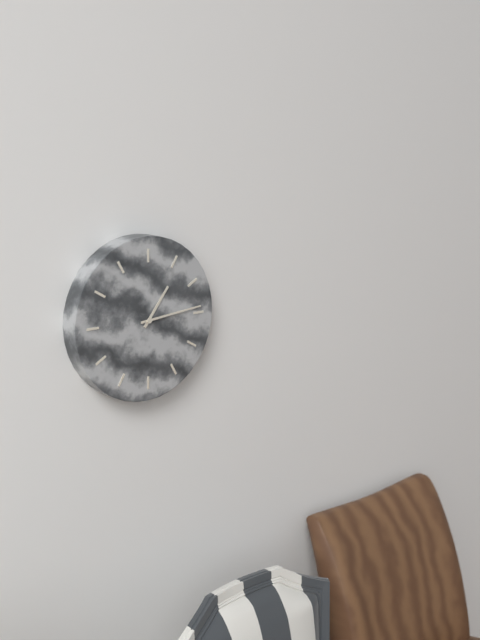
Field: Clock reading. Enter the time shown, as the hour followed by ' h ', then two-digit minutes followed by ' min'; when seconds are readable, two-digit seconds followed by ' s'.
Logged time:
1 h 14 min
